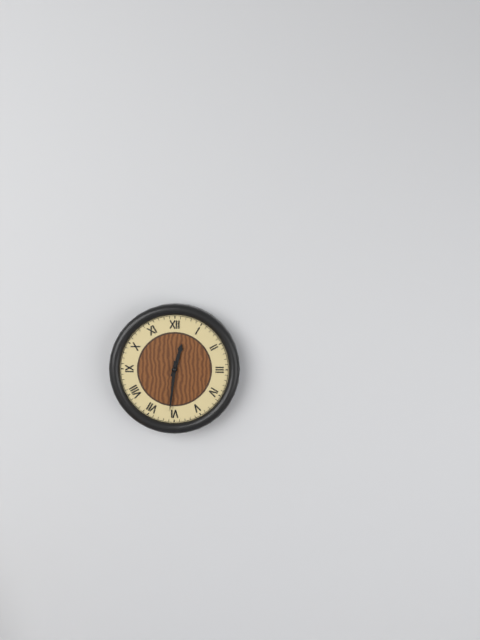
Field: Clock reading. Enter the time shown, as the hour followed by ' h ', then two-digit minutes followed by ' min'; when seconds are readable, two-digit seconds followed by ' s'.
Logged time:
12 h 31 min
